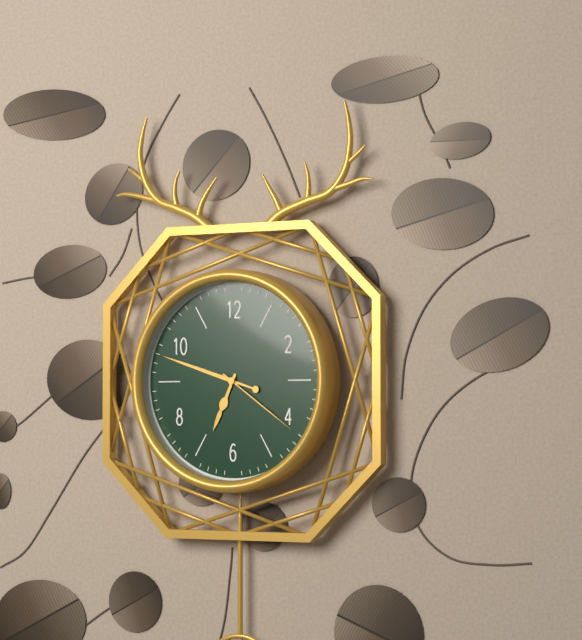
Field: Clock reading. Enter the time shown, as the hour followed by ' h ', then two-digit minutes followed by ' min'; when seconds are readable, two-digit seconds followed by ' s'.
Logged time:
6 h 48 min 21 s
